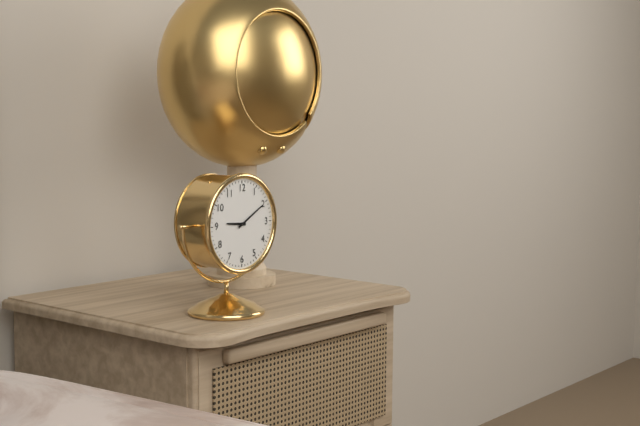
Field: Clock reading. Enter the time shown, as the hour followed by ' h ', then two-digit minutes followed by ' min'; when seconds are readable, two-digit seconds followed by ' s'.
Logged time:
9 h 10 min
